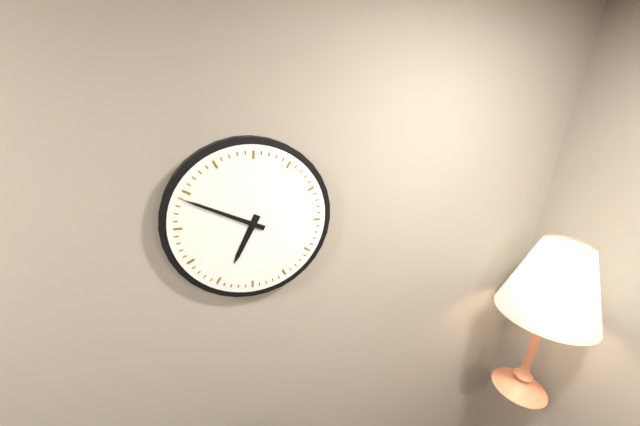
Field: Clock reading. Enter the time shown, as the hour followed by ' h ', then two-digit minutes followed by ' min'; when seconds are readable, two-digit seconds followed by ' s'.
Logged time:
6 h 49 min
